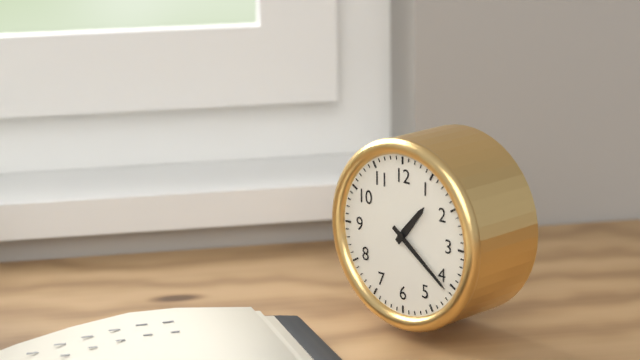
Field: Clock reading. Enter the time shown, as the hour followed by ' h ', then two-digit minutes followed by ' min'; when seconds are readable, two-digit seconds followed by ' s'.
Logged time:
1 h 21 min
